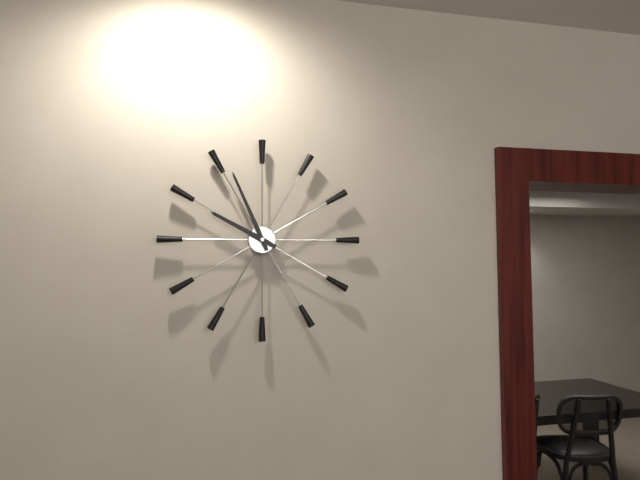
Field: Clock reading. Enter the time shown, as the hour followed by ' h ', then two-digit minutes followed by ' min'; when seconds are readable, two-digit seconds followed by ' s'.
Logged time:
9 h 56 min
